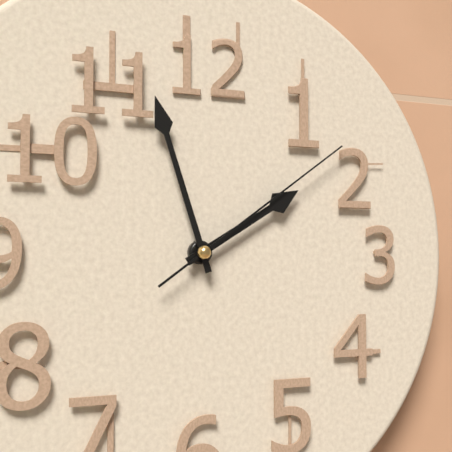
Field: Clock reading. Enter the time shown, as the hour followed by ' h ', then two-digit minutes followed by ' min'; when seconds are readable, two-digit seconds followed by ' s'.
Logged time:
1 h 57 min 09 s
